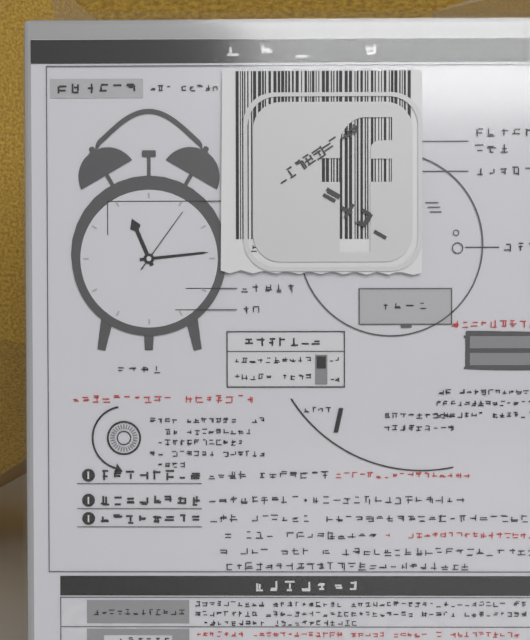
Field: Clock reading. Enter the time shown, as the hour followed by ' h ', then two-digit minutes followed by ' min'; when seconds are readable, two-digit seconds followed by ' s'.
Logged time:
11 h 14 min 06 s
